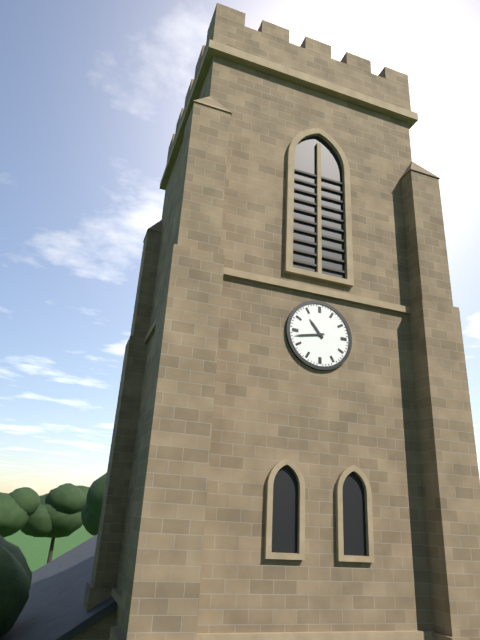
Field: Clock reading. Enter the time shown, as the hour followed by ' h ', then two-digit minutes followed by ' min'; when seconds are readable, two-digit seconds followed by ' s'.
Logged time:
10 h 43 min
